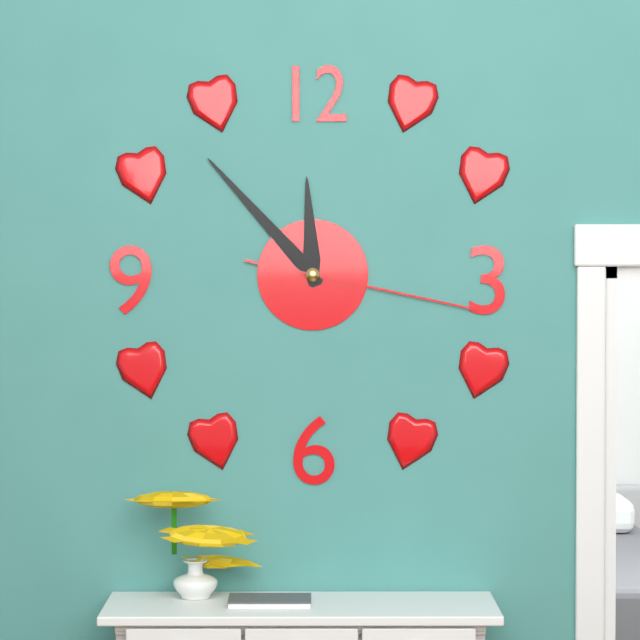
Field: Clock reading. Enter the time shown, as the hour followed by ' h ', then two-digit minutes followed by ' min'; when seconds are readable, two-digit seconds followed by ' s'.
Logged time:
11 h 53 min 17 s
